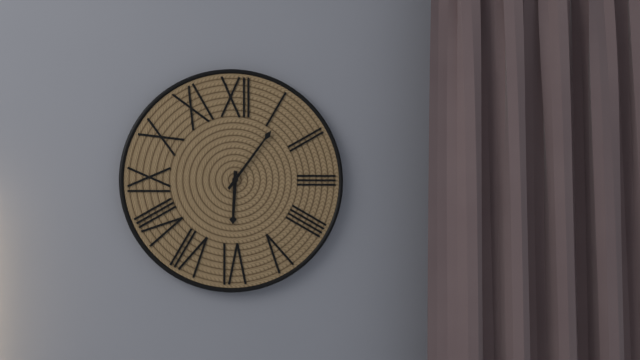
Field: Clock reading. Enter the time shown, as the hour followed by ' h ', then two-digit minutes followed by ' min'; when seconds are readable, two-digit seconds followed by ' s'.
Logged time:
6 h 06 min
